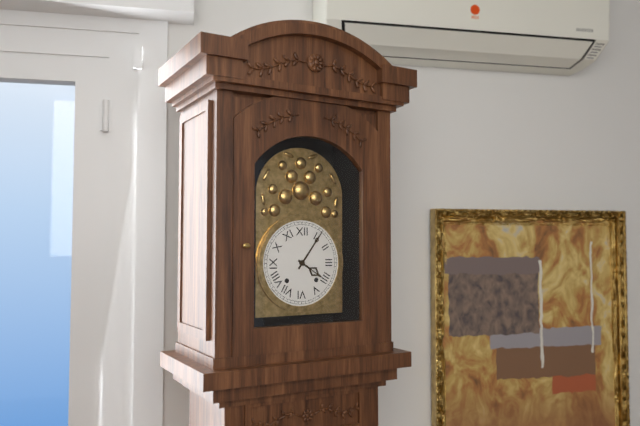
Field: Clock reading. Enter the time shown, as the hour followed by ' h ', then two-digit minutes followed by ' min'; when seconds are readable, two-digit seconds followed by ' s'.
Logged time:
4 h 06 min
